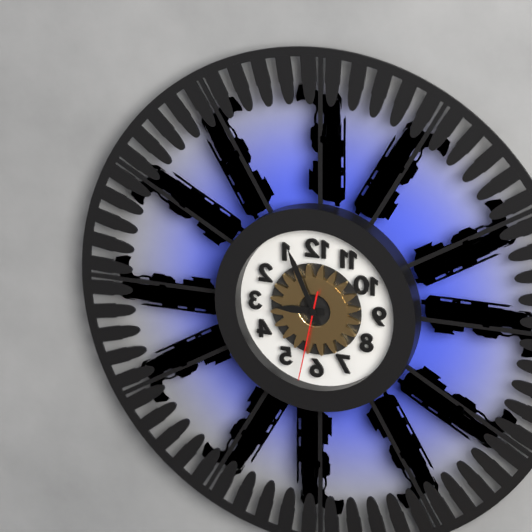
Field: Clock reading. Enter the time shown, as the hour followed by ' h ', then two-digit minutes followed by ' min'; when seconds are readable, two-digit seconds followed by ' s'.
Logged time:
8 h 56 min 32 s
